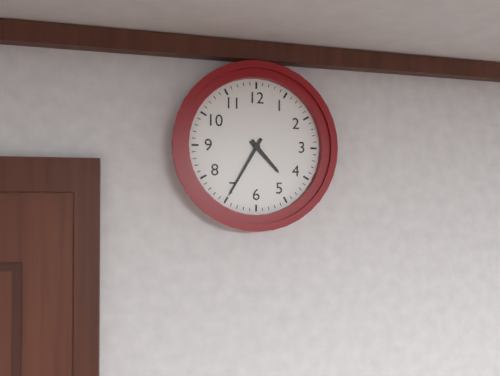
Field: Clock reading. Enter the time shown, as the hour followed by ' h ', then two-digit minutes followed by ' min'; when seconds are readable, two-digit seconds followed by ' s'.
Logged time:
4 h 35 min
